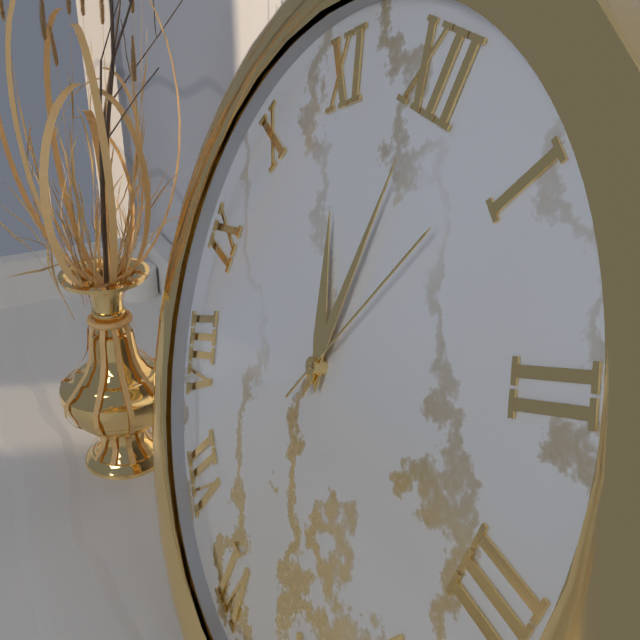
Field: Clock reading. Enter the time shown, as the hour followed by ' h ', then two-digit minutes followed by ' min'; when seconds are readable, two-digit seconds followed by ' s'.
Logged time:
11 h 00 min 04 s
